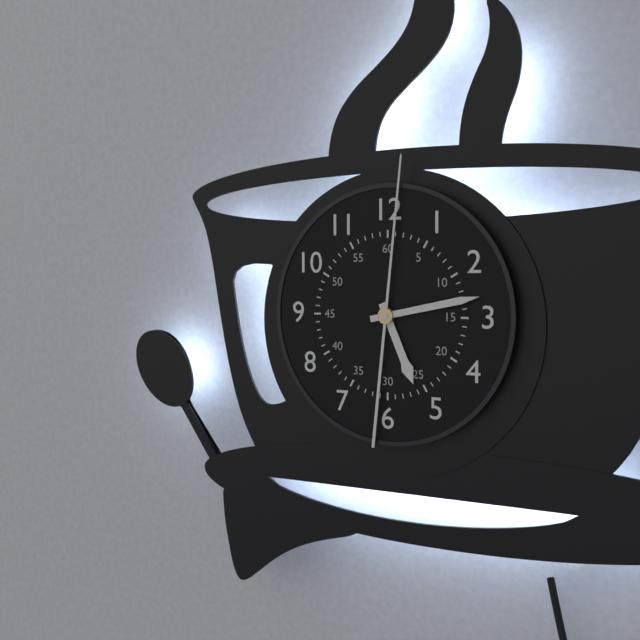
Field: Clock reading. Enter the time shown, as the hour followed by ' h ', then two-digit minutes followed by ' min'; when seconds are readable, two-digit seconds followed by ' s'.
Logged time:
5 h 13 min 01 s
